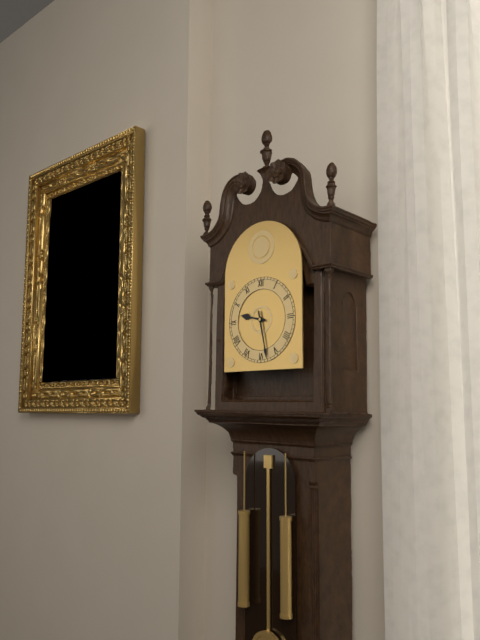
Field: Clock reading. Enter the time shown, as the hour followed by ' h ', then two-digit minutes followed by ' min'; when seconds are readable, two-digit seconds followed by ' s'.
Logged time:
9 h 28 min
